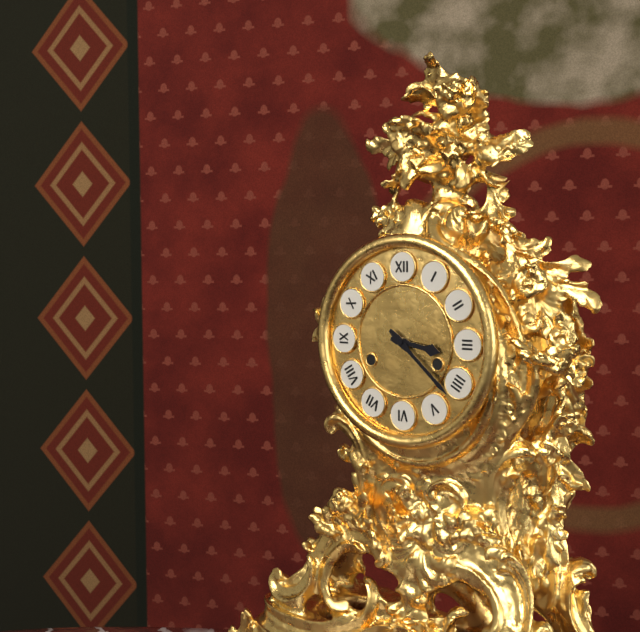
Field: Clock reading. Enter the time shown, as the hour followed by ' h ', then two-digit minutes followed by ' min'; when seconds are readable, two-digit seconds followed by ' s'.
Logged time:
3 h 22 min
